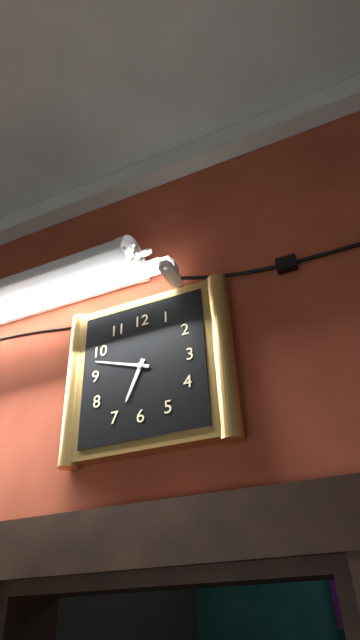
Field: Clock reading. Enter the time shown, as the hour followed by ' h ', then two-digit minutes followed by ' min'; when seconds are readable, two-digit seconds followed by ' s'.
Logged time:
6 h 48 min
